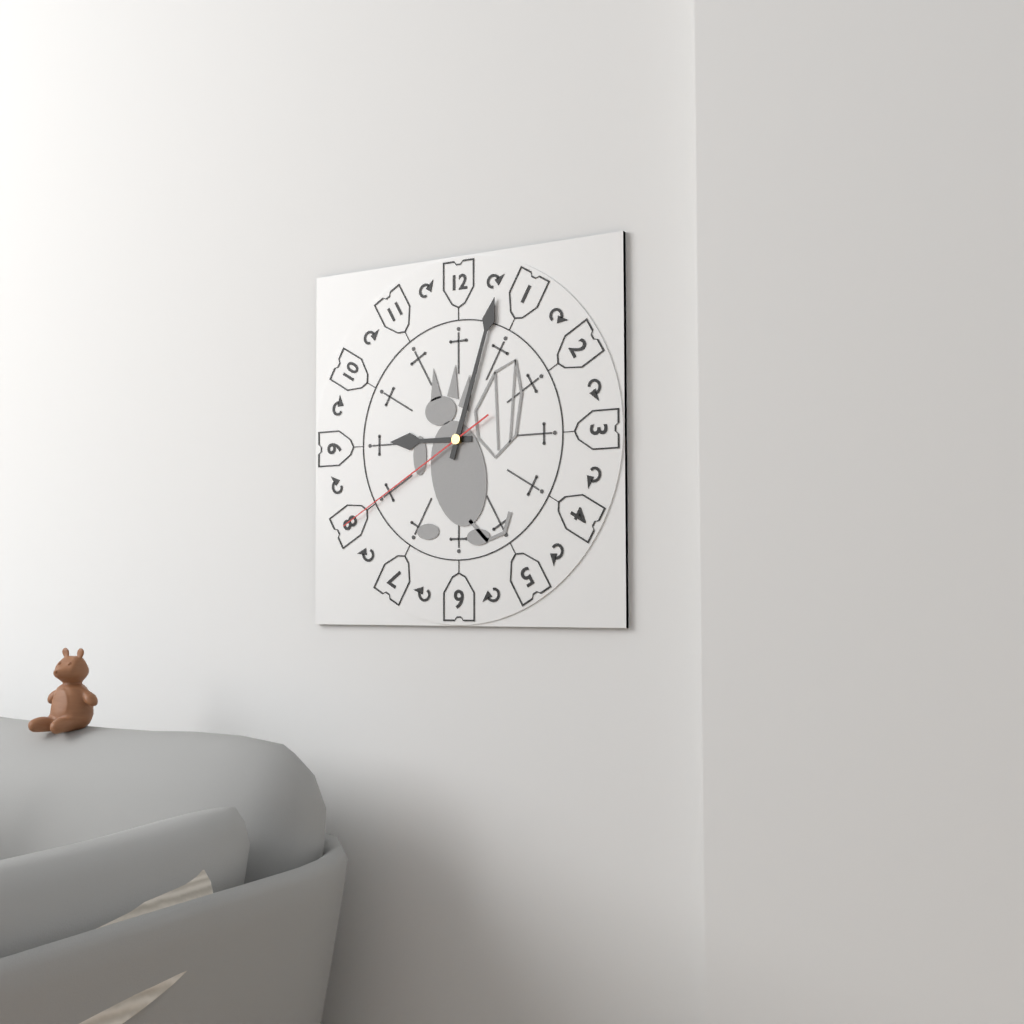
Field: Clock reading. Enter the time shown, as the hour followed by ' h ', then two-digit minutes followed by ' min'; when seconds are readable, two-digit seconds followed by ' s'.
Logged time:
9 h 03 min 40 s
